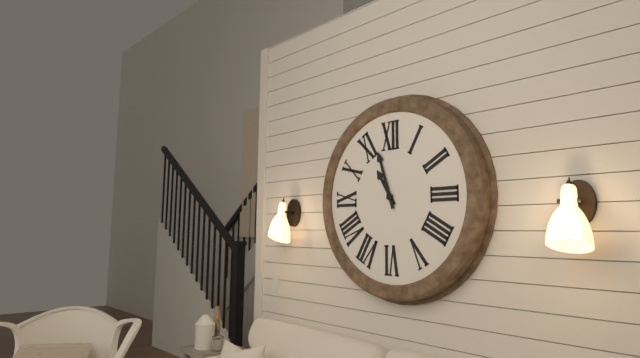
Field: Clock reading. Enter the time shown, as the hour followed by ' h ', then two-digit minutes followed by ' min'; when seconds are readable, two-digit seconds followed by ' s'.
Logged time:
10 h 57 min
